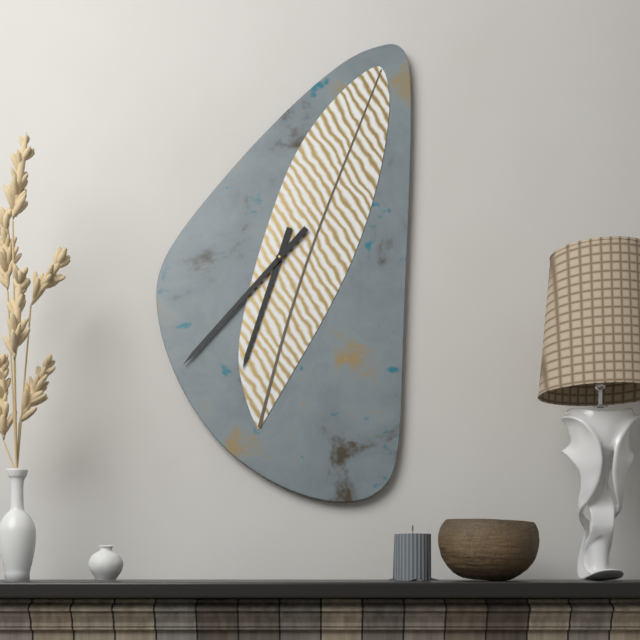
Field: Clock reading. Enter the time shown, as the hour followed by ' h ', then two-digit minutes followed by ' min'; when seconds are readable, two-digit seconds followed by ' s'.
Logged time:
6 h 37 min
